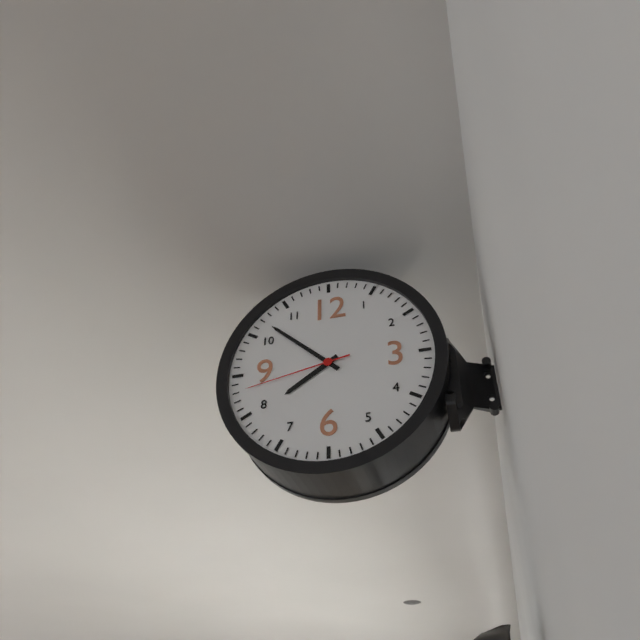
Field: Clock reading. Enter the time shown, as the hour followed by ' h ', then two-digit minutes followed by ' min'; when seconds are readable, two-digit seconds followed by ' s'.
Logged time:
7 h 52 min 43 s
